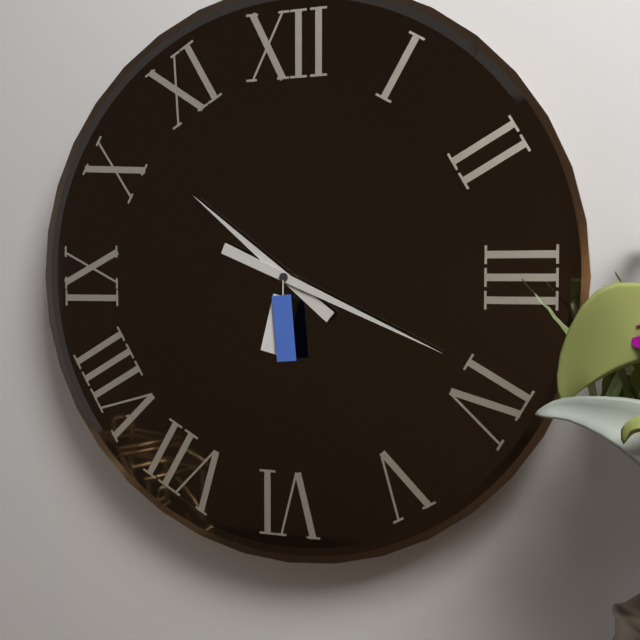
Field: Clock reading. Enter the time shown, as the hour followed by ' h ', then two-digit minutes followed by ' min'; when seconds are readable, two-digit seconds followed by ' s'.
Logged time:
10 h 19 min
